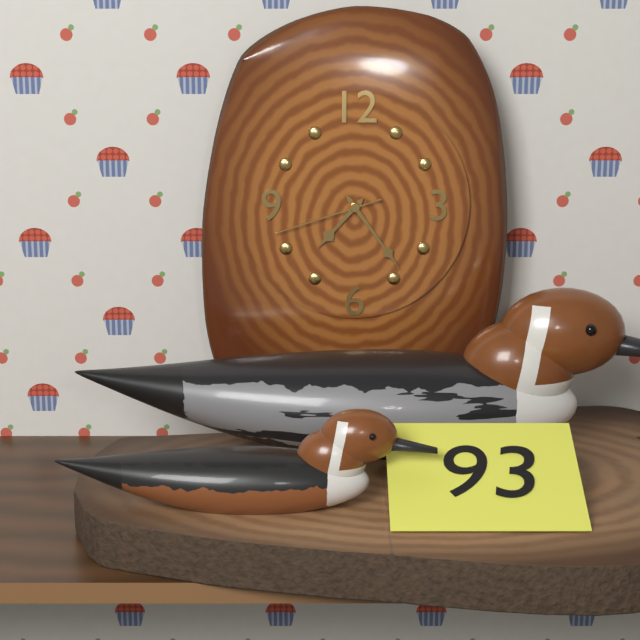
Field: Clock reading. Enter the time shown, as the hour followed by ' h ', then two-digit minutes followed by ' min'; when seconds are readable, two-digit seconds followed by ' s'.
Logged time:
7 h 24 min 42 s
